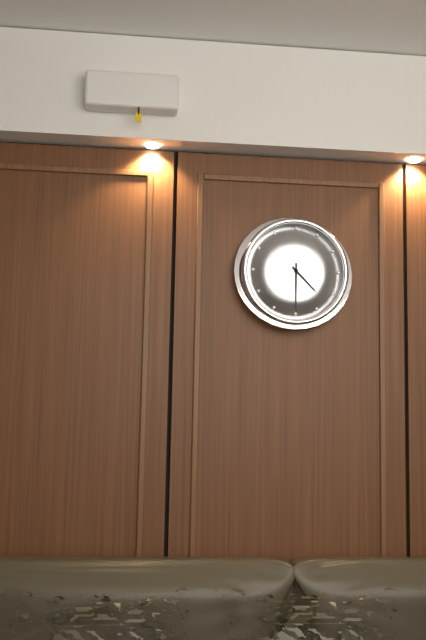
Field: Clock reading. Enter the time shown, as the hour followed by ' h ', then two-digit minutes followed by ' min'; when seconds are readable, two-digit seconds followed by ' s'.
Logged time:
4 h 30 min
